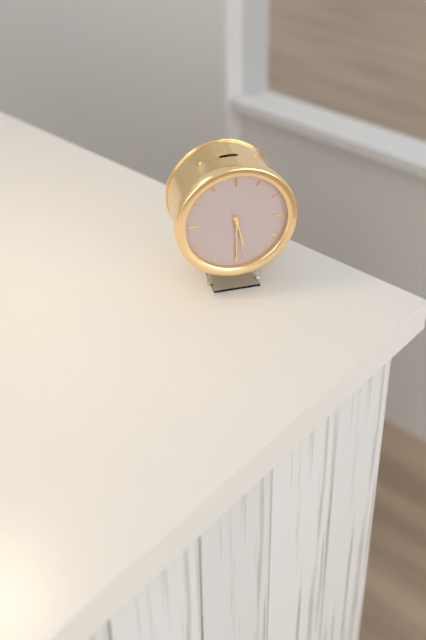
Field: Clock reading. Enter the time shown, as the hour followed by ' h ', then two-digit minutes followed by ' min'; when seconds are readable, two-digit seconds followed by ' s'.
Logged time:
5 h 30 min 28 s
